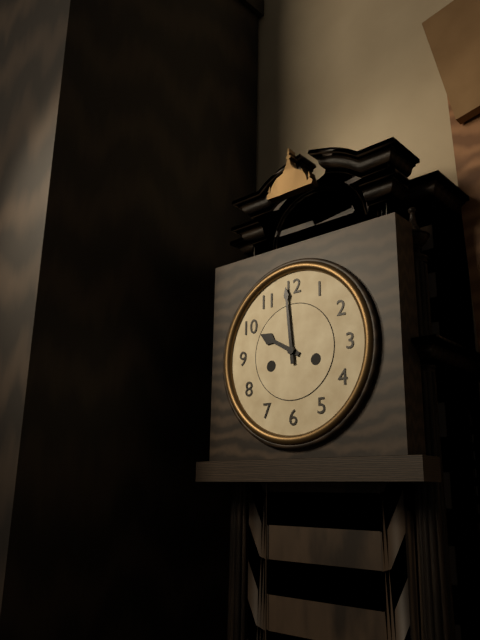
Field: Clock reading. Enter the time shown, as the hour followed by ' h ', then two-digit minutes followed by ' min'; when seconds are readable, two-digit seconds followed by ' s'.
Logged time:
9 h 59 min
